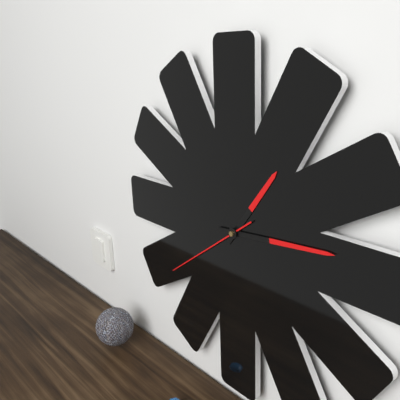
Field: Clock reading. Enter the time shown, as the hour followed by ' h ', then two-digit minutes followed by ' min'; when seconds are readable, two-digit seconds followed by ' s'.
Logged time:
1 h 14 min 39 s
